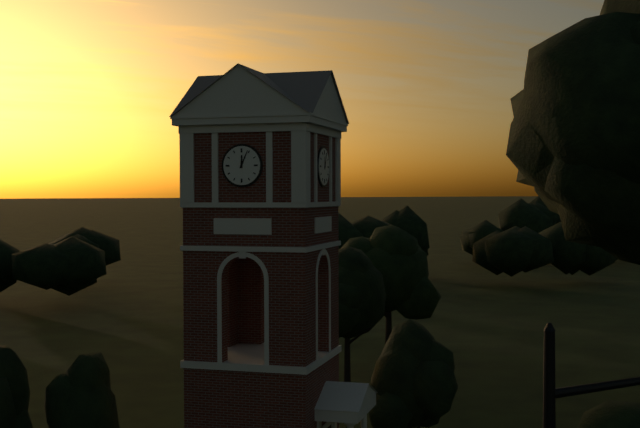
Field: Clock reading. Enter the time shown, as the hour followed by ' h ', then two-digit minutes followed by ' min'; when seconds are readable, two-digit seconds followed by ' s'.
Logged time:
12 h 04 min
